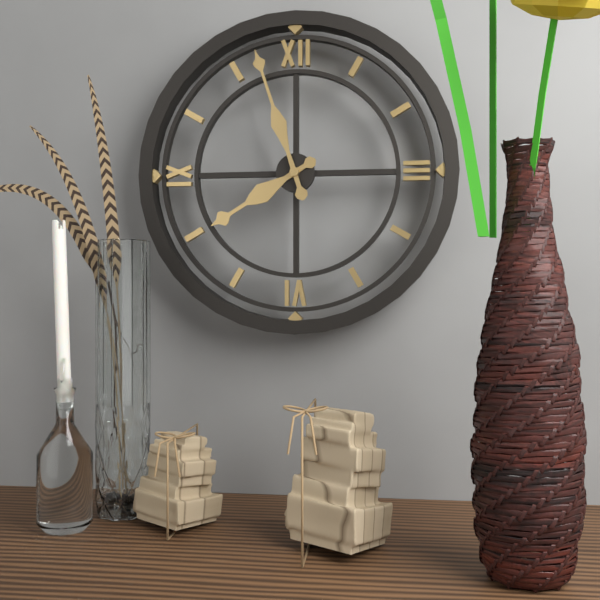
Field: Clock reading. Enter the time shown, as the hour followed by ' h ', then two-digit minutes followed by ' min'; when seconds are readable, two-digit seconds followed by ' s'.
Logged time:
7 h 57 min
